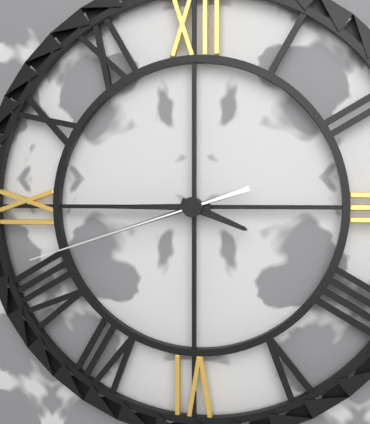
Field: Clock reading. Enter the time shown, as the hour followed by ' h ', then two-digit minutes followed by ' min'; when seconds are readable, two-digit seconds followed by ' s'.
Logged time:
3 h 45 min 42 s
